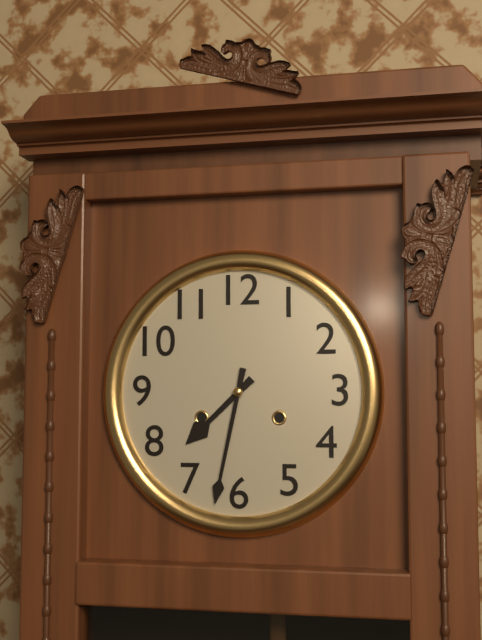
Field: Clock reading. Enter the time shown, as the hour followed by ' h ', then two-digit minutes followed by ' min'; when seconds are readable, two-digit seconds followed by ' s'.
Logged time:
7 h 32 min
